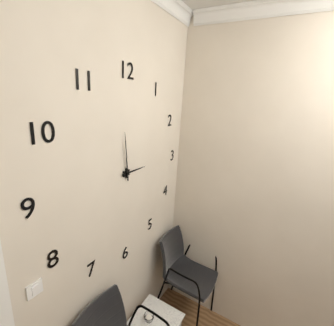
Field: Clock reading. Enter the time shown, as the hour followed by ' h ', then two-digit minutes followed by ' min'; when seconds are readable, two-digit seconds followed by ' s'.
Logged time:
2 h 59 min
